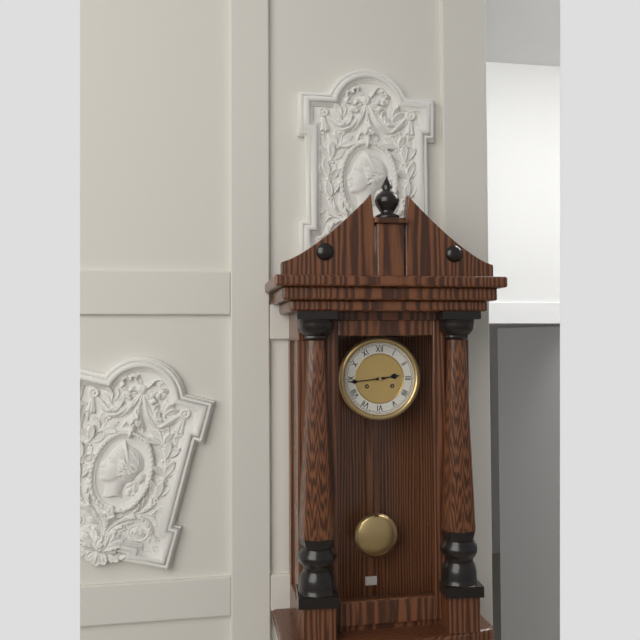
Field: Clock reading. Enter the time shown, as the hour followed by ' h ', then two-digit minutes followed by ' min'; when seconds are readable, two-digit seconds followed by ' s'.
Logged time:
2 h 44 min
